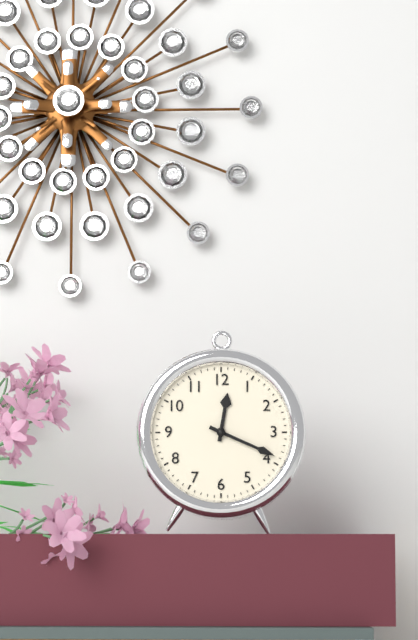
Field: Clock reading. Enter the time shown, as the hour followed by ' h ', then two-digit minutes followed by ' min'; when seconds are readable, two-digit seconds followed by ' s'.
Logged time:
12 h 19 min
